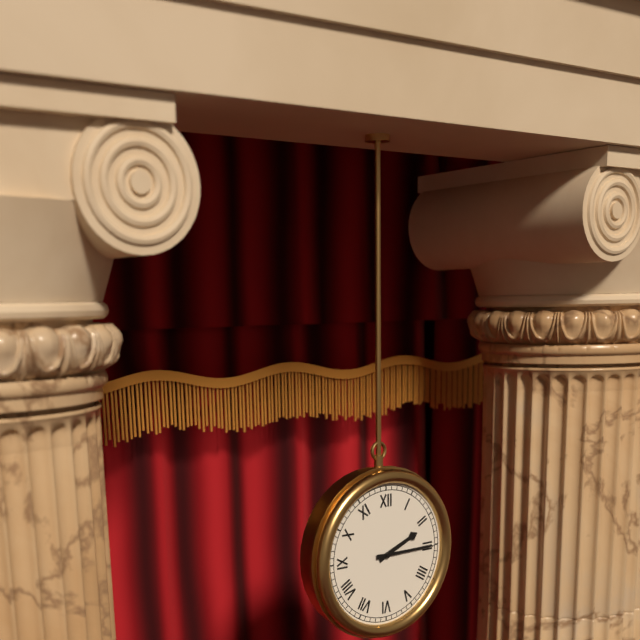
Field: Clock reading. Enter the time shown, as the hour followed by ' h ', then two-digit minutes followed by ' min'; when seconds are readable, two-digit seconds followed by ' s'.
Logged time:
2 h 15 min
